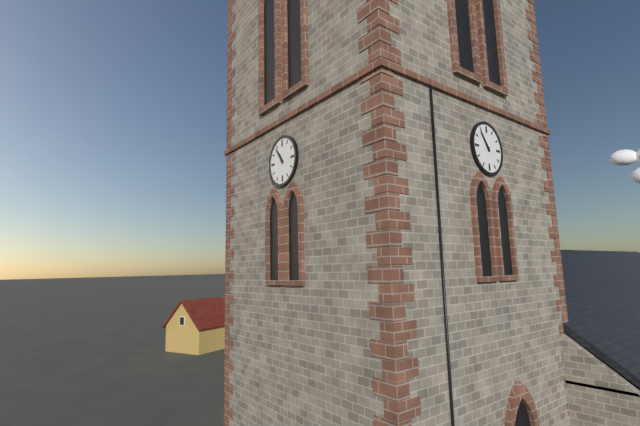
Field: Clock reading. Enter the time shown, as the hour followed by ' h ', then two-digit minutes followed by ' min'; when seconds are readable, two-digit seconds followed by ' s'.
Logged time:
10 h 54 min
